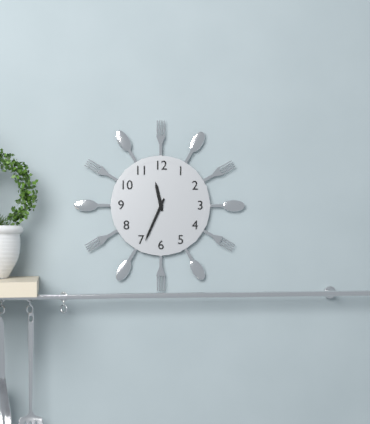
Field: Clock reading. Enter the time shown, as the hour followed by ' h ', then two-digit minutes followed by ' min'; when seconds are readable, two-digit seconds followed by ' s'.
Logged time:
11 h 34 min
